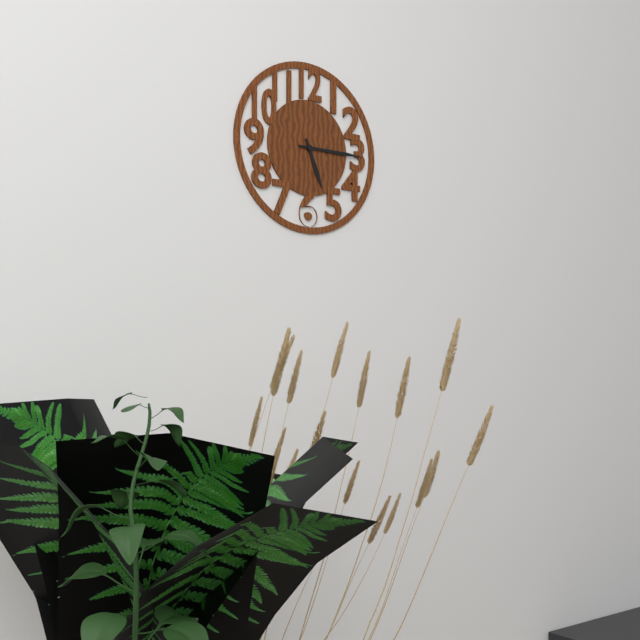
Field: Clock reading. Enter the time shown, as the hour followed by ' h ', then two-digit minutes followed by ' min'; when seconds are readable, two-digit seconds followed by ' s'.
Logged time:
5 h 15 min
